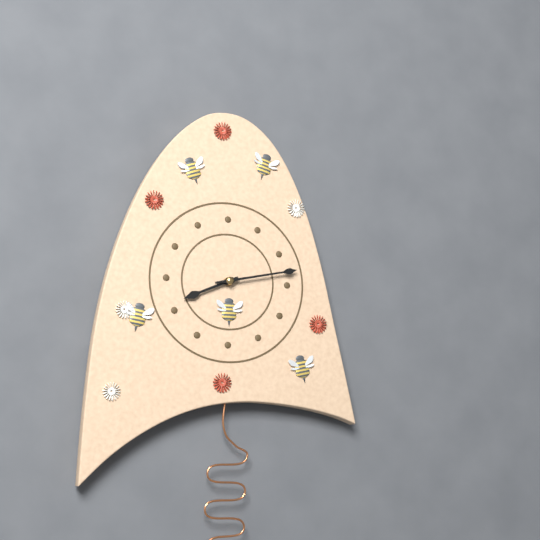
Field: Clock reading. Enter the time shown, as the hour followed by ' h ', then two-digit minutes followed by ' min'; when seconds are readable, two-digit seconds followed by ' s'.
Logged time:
8 h 13 min
